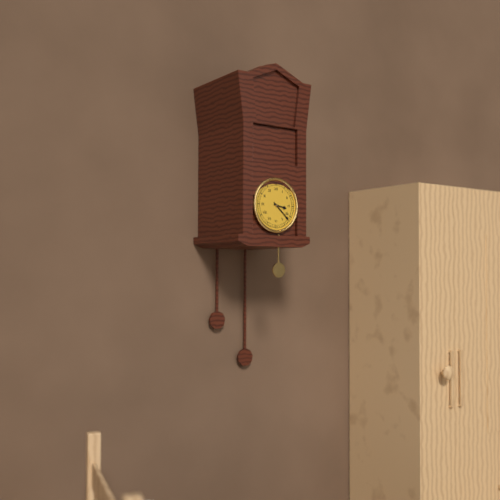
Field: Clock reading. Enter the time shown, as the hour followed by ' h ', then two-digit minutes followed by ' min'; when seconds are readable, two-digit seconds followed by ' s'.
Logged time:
3 h 22 min
